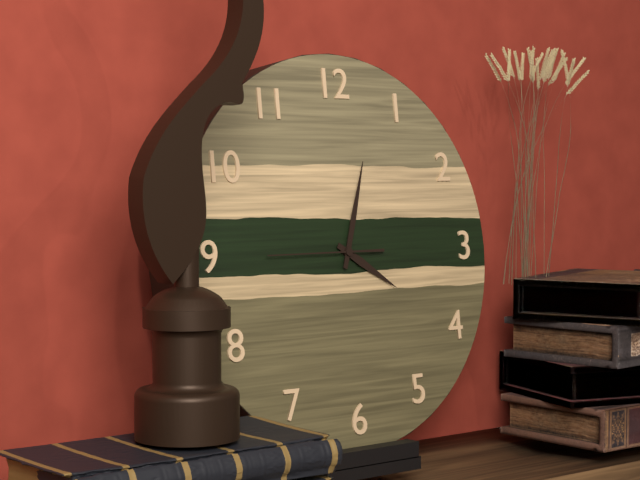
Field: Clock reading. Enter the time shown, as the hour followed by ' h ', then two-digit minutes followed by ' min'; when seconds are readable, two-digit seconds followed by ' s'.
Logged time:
4 h 03 min 45 s
